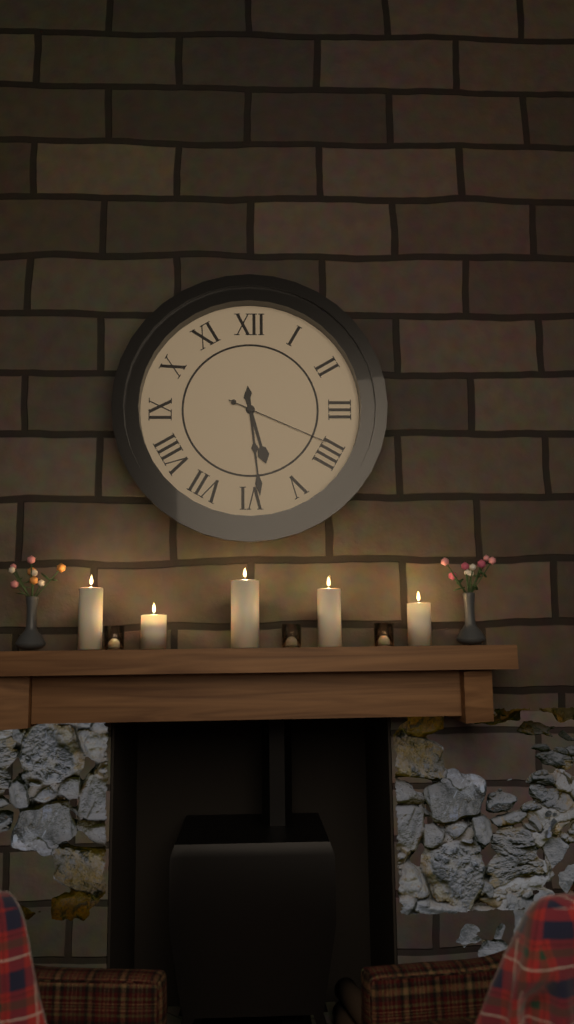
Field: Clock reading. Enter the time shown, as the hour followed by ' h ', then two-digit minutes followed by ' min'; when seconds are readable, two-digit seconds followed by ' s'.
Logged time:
5 h 29 min 19 s
